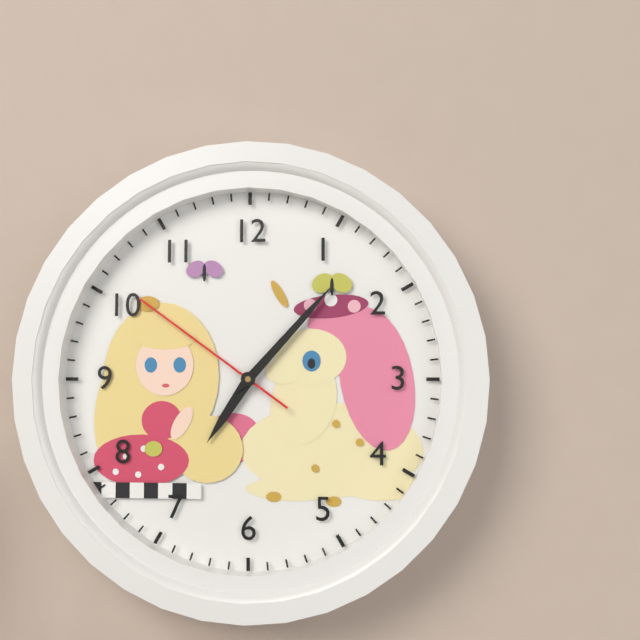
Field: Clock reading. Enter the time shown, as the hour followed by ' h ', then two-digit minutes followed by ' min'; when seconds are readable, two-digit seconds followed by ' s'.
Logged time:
7 h 07 min 51 s
